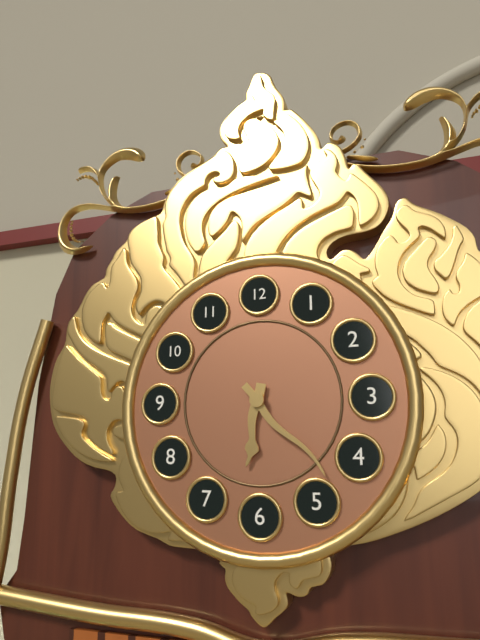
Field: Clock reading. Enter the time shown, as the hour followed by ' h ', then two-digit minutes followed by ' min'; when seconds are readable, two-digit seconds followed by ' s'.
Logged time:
6 h 23 min
